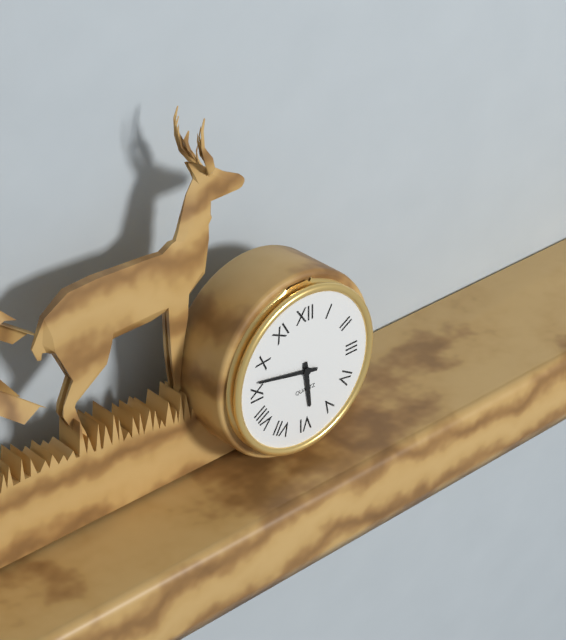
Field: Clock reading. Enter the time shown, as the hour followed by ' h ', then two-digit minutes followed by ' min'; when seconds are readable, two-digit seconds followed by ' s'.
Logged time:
5 h 47 min
